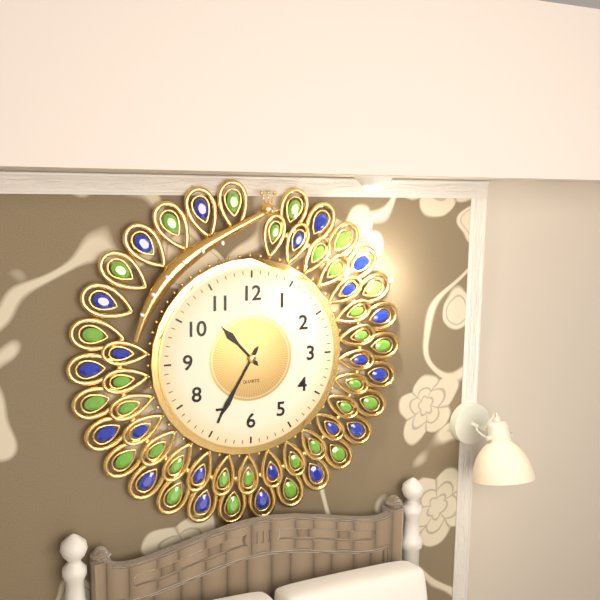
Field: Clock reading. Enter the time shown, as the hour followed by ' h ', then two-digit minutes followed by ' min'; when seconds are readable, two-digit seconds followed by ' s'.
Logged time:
10 h 35 min
